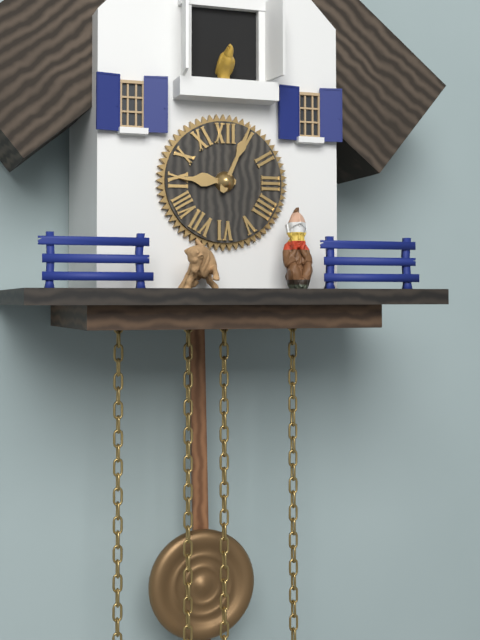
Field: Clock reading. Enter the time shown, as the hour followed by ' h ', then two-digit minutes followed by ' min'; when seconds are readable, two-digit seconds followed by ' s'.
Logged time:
9 h 04 min
